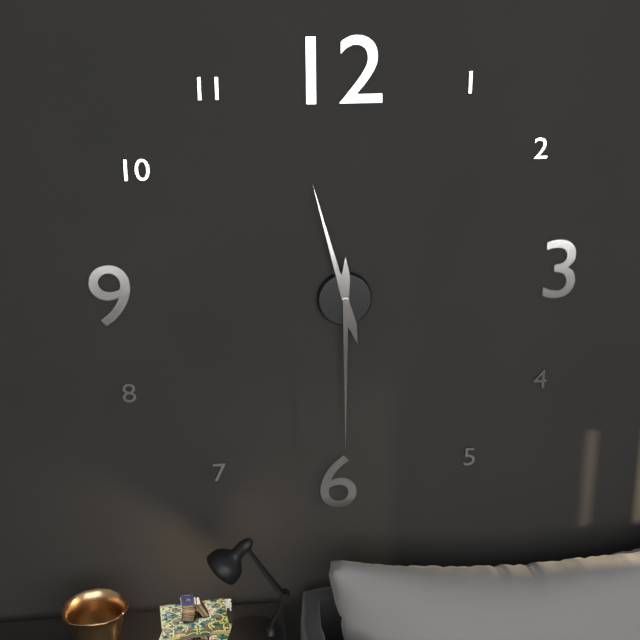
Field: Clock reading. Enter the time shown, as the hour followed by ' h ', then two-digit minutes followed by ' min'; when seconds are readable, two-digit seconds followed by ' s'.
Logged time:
11 h 30 min
